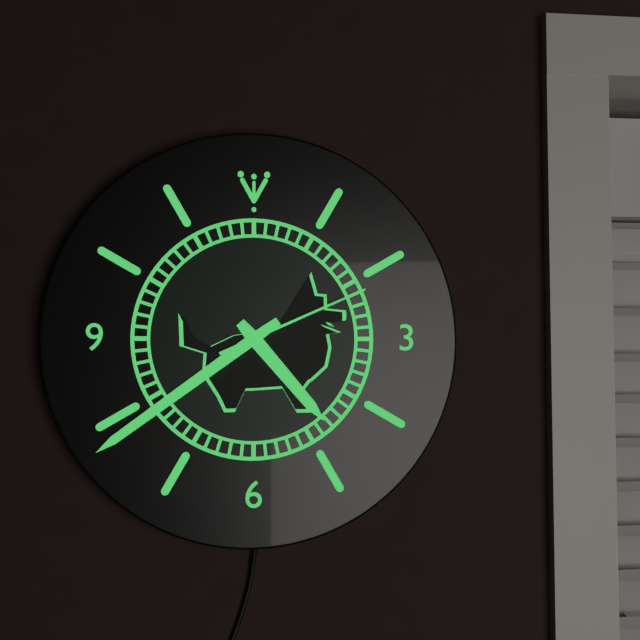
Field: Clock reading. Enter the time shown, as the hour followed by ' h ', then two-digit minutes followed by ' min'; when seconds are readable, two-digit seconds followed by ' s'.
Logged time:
4 h 39 min 11 s
